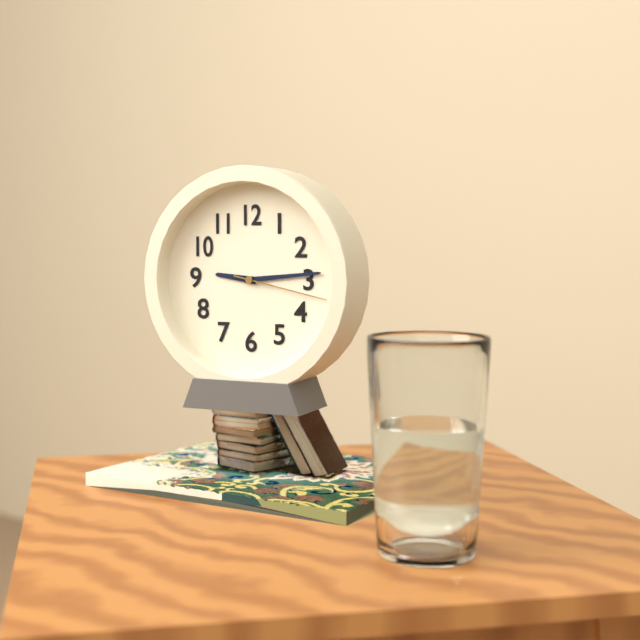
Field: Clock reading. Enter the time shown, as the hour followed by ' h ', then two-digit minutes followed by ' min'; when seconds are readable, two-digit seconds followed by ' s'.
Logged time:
9 h 14 min 17 s
